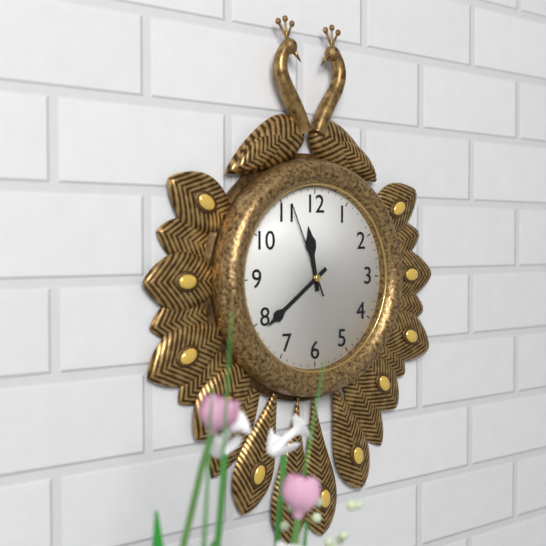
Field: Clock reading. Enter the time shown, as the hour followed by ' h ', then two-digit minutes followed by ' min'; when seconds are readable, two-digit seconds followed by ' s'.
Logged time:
11 h 39 min 56 s
